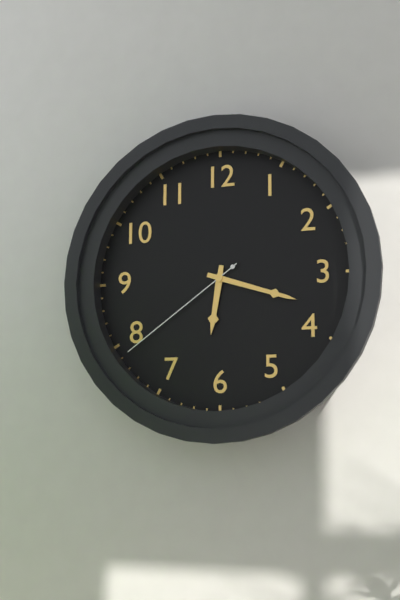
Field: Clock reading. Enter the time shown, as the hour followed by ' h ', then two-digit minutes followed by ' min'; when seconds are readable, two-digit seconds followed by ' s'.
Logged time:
6 h 18 min 39 s
